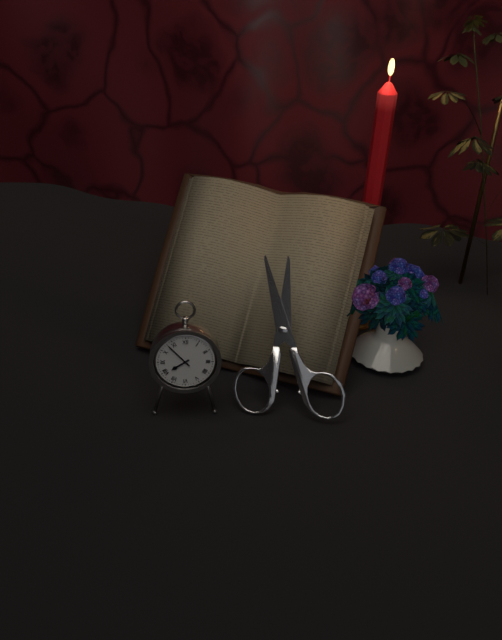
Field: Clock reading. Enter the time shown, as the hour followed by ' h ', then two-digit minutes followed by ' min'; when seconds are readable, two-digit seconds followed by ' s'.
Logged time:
7 h 53 min
